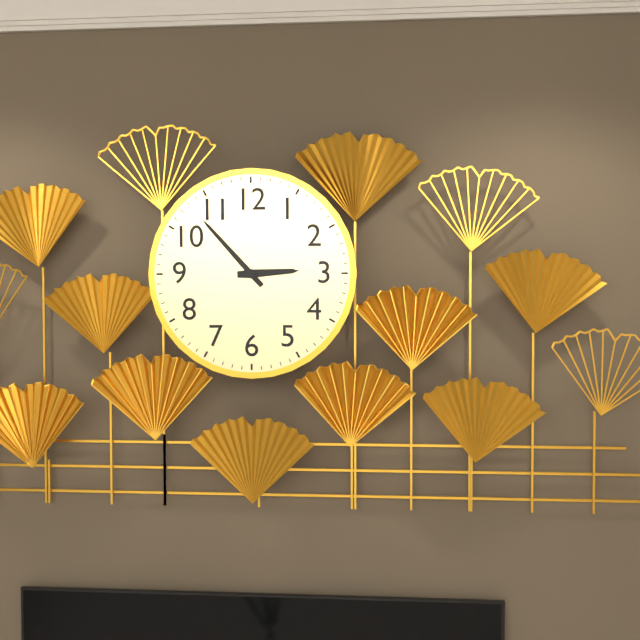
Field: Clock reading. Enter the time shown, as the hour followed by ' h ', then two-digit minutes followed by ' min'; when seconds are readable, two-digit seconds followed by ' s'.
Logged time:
2 h 53 min
